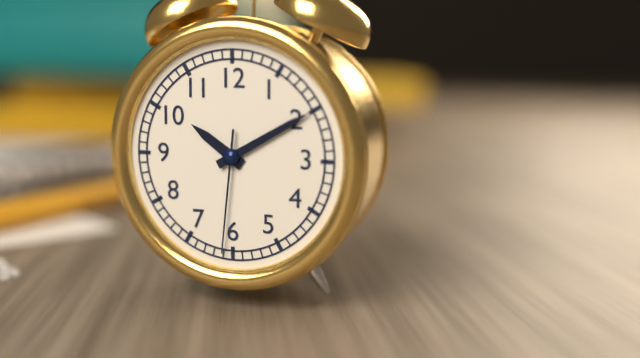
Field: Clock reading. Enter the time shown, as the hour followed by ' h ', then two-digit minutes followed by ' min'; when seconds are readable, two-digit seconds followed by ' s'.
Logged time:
10 h 10 min 31 s
